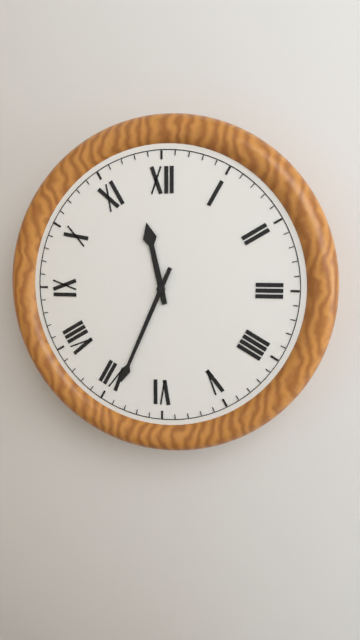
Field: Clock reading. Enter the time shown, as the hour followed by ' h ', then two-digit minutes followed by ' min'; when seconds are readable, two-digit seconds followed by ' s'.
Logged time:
11 h 34 min
